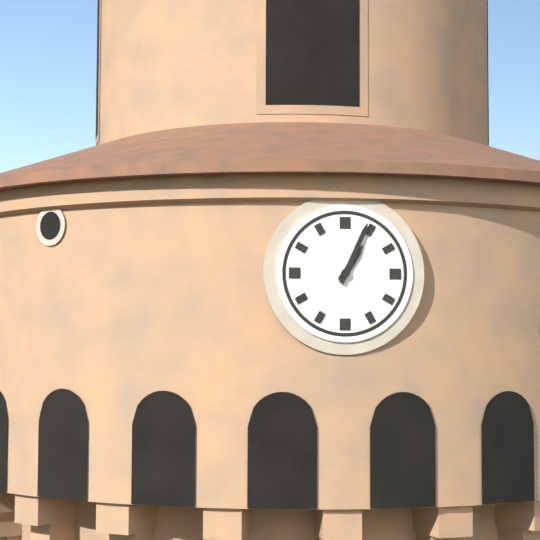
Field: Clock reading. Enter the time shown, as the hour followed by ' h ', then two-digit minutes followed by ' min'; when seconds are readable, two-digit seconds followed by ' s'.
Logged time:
1 h 04 min
